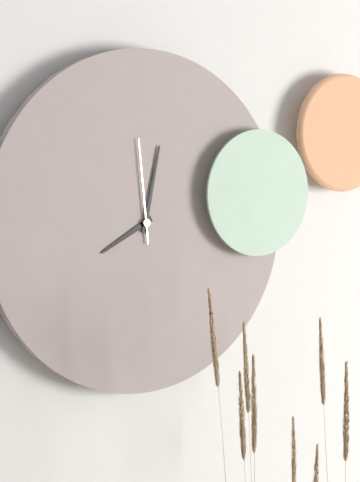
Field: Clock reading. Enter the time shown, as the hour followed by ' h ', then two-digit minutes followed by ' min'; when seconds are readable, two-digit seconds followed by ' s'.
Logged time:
8 h 02 min 59 s
